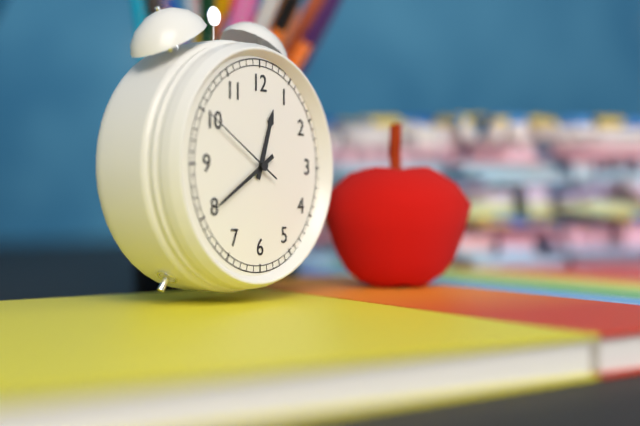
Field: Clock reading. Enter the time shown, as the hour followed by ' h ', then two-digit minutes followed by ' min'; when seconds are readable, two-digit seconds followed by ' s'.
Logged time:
12 h 40 min 50 s
